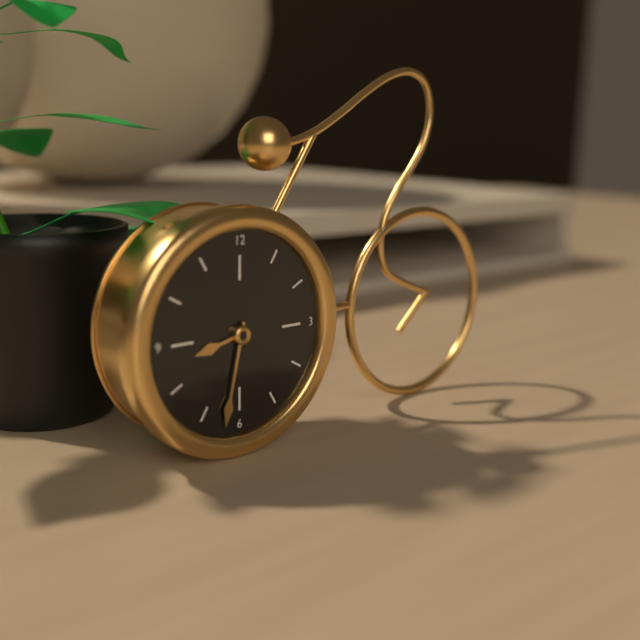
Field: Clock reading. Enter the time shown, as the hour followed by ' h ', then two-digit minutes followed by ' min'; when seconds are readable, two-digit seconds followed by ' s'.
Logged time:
8 h 32 min
